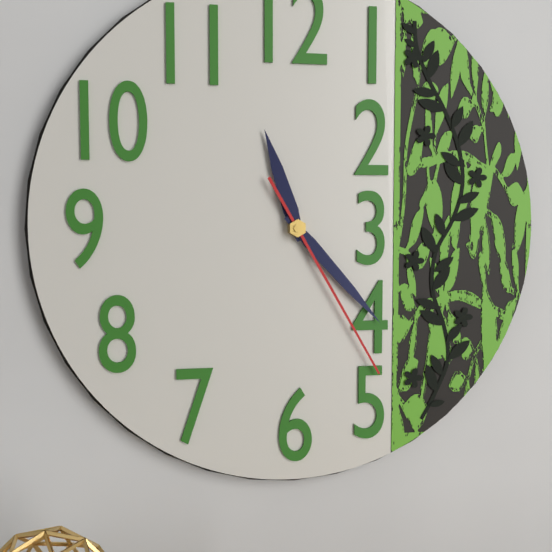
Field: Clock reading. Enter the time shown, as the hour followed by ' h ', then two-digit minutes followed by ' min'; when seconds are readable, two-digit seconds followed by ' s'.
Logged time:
11 h 23 min 25 s
